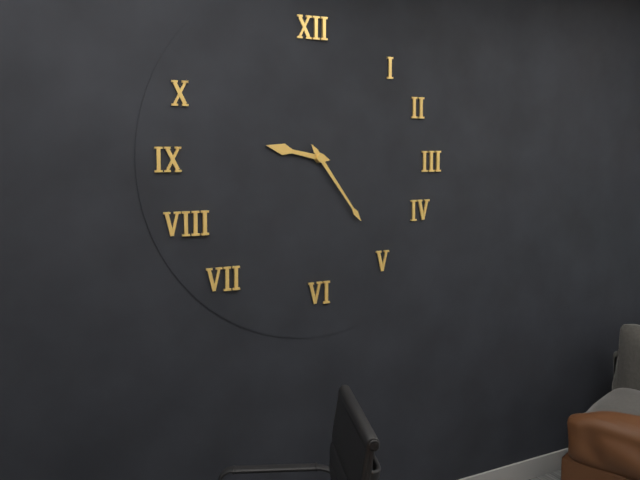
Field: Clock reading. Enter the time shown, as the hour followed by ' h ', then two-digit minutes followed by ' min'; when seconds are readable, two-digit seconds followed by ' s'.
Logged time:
9 h 24 min
